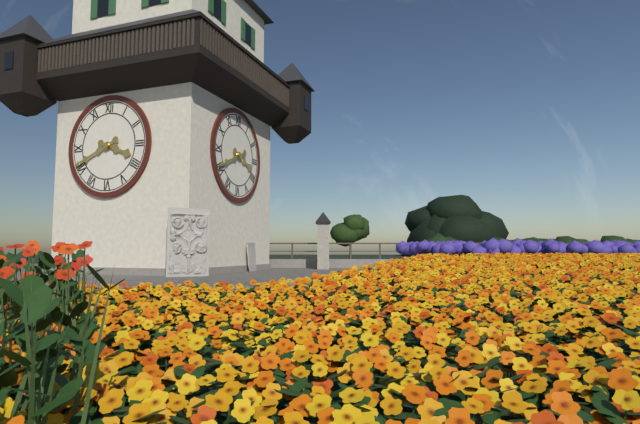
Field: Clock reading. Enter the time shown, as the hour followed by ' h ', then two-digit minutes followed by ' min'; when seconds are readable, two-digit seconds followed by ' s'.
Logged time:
3 h 41 min
